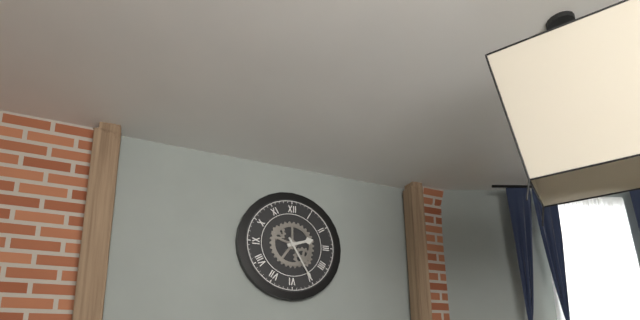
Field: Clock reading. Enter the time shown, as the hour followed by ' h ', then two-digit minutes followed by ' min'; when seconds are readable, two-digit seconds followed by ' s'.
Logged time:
2 h 25 min
